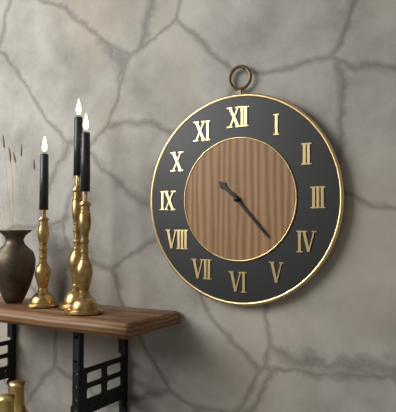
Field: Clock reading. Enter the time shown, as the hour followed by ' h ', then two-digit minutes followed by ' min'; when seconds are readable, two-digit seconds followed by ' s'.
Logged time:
10 h 23 min
